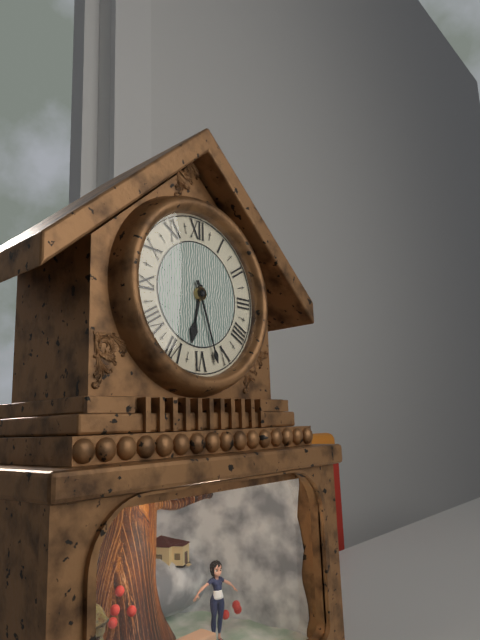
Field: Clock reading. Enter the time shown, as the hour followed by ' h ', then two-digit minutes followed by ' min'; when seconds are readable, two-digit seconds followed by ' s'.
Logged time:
6 h 27 min
